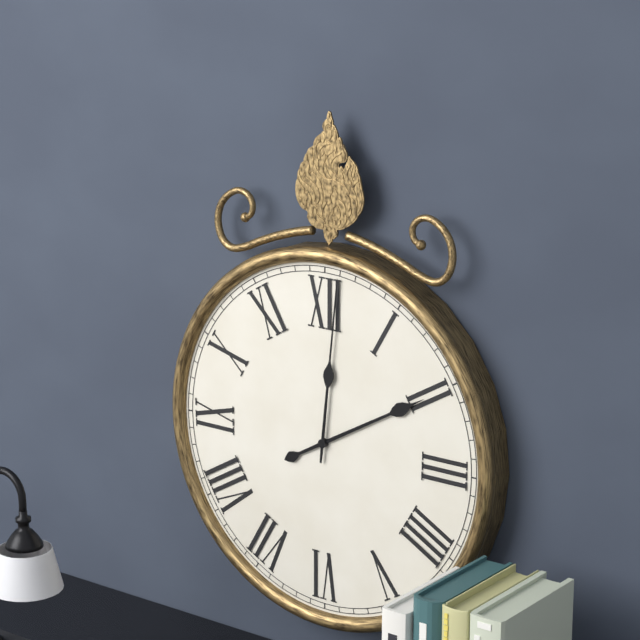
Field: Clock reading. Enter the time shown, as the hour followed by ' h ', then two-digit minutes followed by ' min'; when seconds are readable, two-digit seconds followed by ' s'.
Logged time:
2 h 01 min
